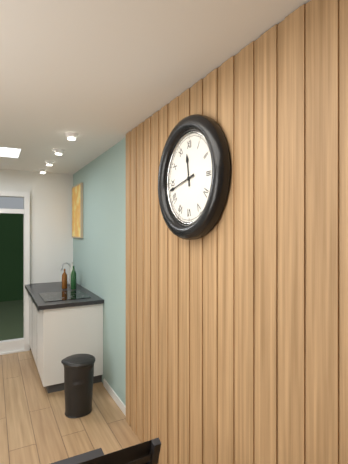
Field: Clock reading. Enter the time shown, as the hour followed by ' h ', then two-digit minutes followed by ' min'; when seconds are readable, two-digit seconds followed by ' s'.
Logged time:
11 h 43 min
